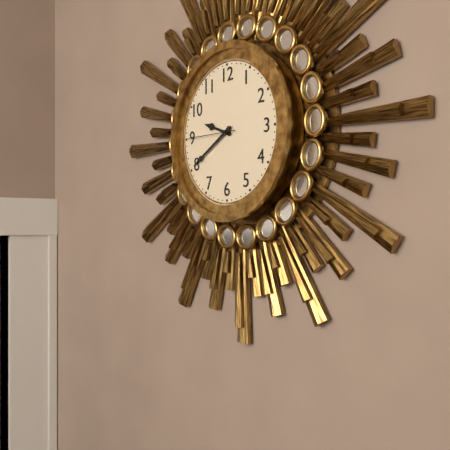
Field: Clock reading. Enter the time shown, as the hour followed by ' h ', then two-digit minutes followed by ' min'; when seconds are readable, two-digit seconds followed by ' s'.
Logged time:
9 h 40 min
